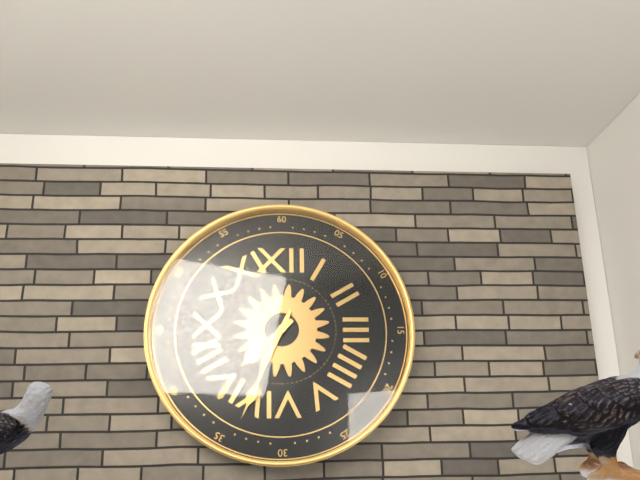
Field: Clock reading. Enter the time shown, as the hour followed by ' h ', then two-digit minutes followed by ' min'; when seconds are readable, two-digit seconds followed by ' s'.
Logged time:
7 h 34 min
